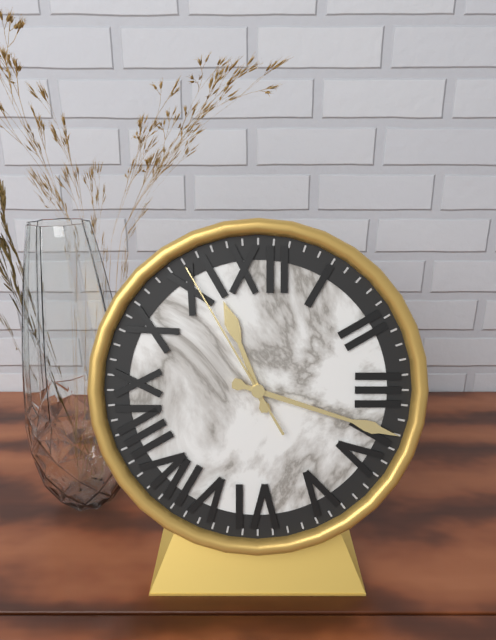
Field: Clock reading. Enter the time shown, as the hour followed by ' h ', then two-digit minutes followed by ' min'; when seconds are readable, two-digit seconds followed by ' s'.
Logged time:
11 h 18 min 55 s
